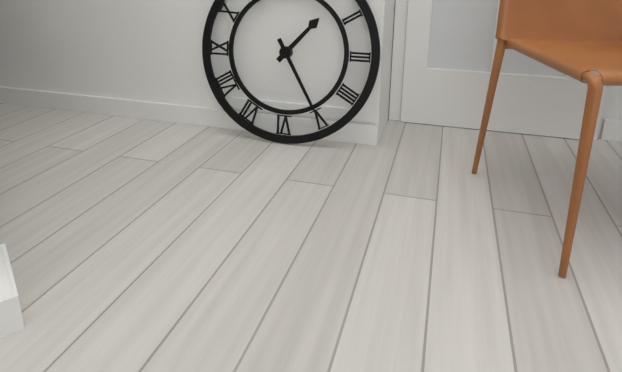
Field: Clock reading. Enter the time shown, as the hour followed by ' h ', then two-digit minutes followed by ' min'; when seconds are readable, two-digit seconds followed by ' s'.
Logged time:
1 h 25 min
